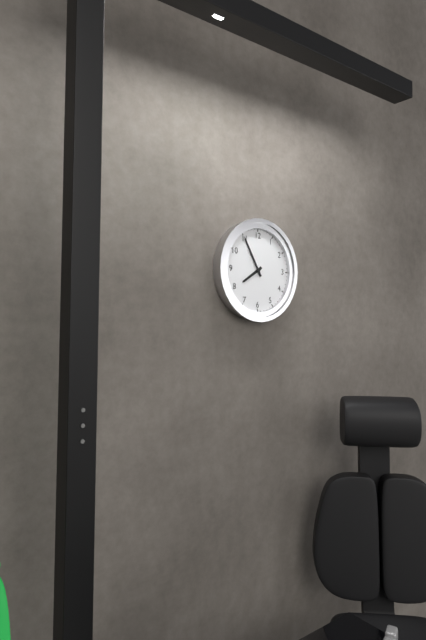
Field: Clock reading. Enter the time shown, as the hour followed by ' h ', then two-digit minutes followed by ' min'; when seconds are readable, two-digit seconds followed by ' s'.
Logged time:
7 h 55 min
